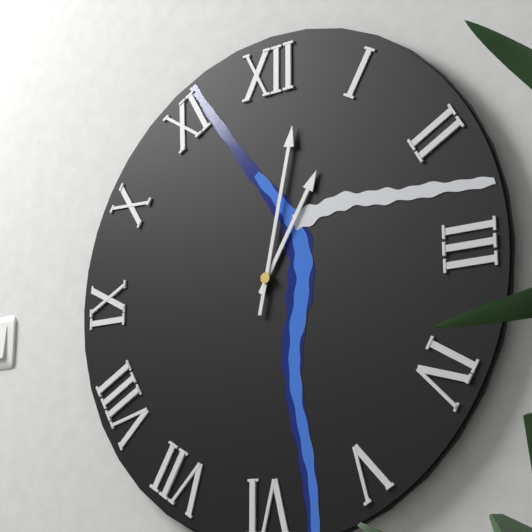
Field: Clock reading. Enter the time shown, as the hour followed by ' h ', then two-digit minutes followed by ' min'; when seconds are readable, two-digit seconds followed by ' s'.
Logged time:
1 h 02 min
